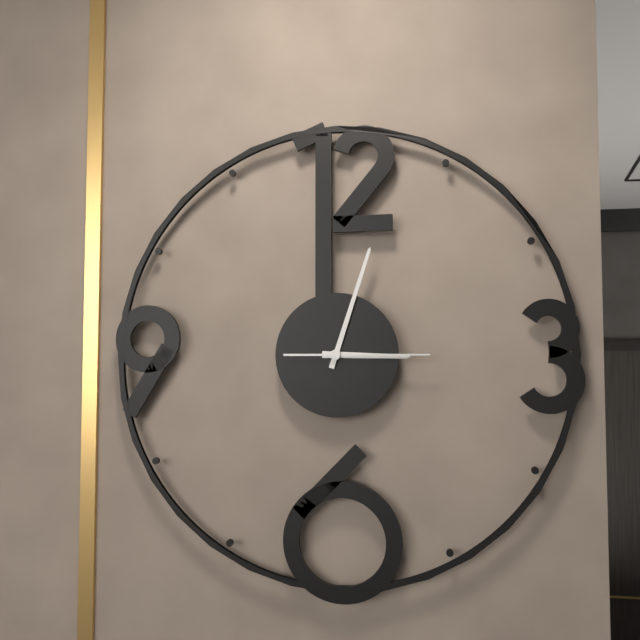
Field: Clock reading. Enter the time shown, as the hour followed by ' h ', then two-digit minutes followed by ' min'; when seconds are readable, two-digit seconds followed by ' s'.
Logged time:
3 h 03 min 15 s
